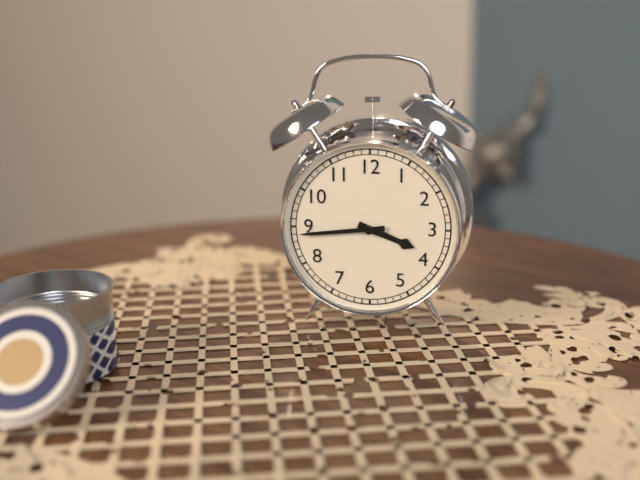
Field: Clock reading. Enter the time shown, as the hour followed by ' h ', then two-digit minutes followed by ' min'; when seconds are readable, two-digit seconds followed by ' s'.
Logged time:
3 h 44 min
